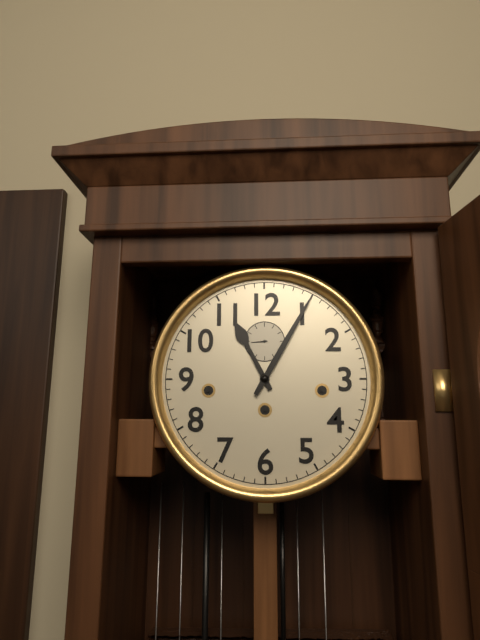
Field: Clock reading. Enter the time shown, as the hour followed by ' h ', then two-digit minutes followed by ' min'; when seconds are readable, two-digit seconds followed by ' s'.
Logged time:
11 h 05 min
